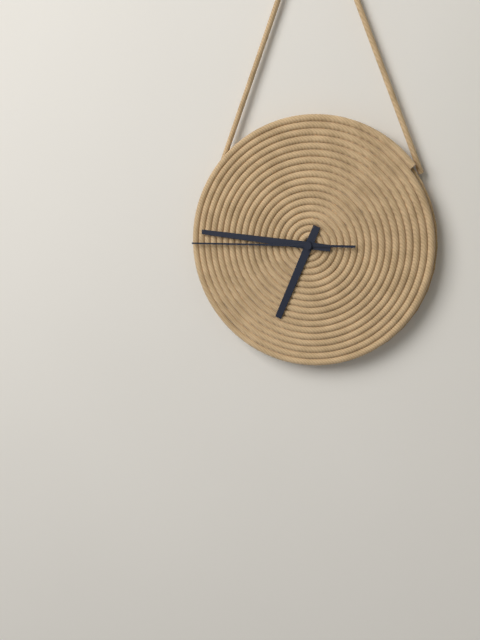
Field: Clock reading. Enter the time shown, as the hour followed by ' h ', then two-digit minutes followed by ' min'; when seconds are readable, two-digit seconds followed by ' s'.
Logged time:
6 h 46 min 45 s
